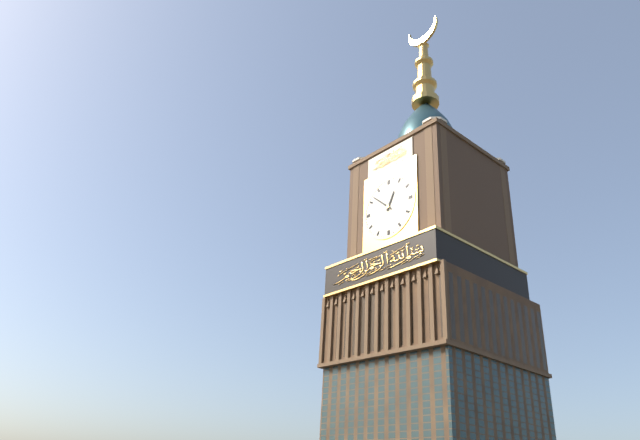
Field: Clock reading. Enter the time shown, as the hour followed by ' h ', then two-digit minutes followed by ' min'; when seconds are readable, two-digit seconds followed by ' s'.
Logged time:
12 h 52 min
